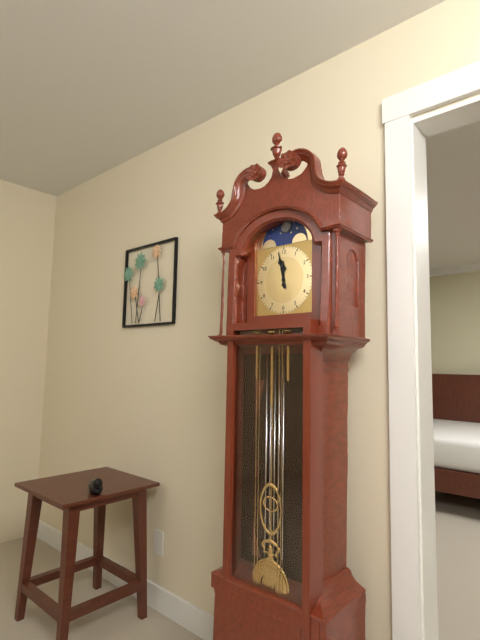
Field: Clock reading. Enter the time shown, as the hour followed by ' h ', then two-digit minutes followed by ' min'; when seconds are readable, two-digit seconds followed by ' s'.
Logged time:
11 h 58 min
